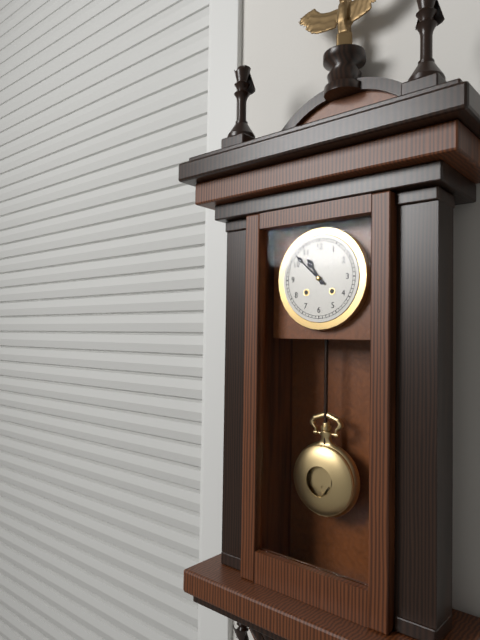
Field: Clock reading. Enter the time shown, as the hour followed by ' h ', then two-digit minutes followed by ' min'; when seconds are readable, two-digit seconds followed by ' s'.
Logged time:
10 h 52 min
